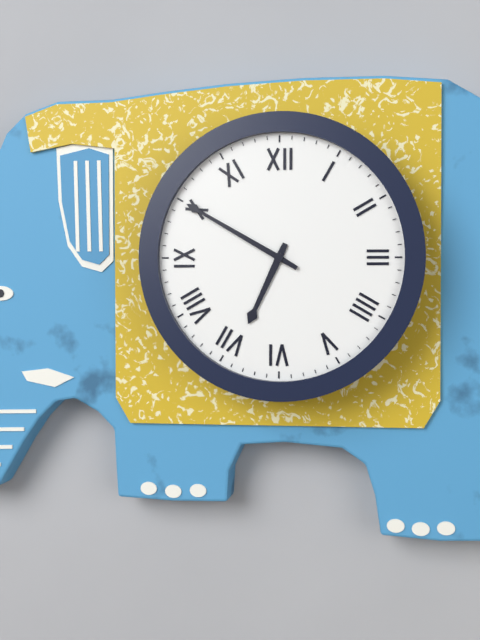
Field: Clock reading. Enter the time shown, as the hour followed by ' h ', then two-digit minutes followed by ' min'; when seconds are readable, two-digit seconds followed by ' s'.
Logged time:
6 h 50 min
